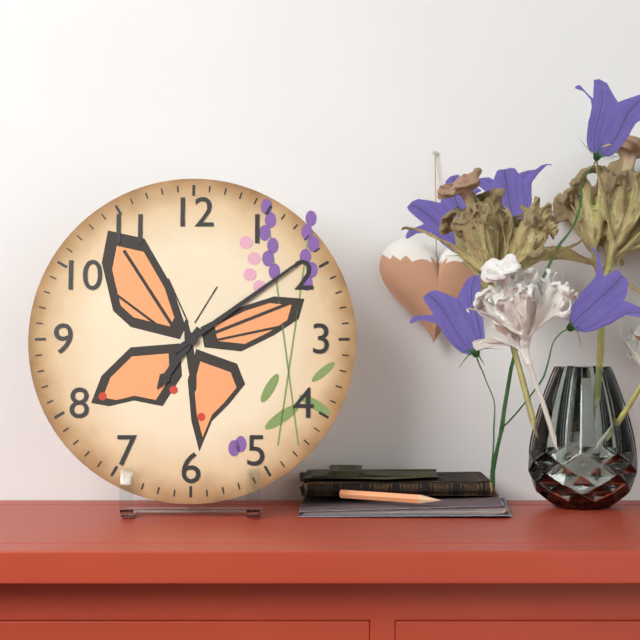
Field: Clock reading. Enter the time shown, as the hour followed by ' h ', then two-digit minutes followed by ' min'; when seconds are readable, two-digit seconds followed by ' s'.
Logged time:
7 h 09 min
